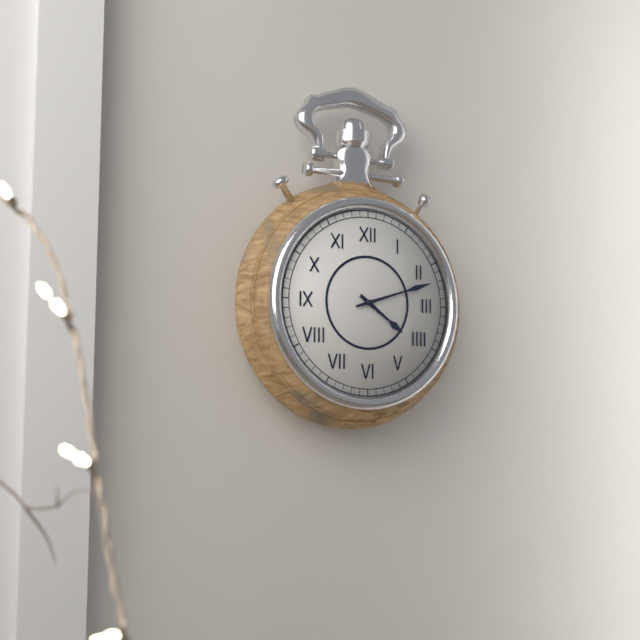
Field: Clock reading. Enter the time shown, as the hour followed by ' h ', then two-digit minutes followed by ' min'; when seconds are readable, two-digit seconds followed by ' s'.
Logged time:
4 h 12 min
